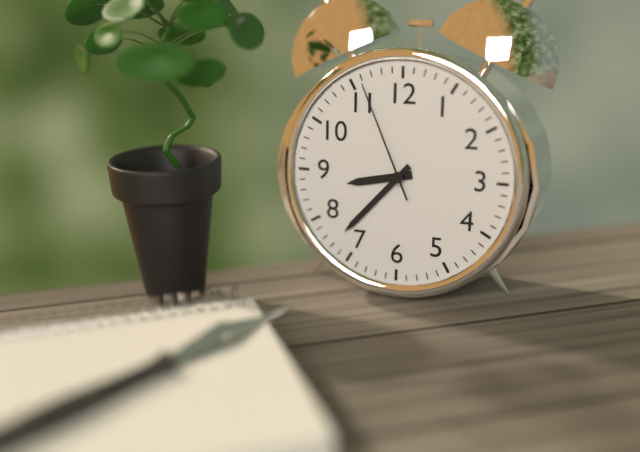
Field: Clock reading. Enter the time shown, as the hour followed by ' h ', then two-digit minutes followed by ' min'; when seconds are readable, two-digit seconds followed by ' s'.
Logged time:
8 h 37 min 56 s
